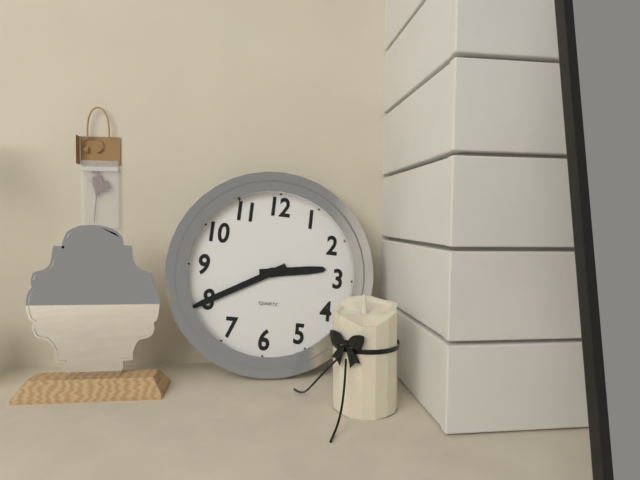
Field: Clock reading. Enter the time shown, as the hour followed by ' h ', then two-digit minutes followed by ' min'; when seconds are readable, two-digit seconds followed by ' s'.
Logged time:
2 h 40 min
